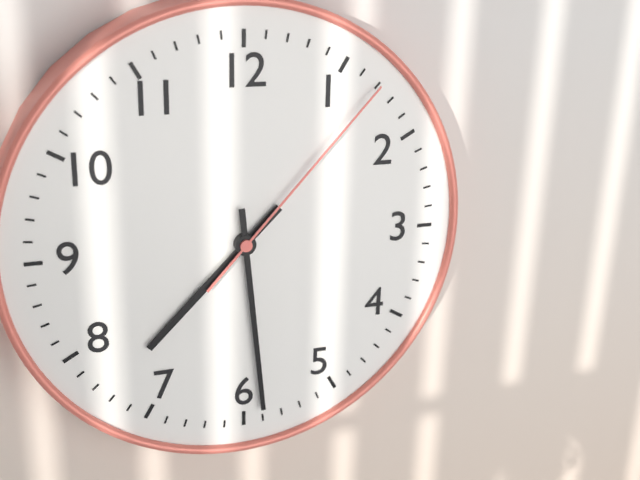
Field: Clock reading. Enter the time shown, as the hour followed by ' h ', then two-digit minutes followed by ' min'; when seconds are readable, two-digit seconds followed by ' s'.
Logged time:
7 h 29 min 07 s
